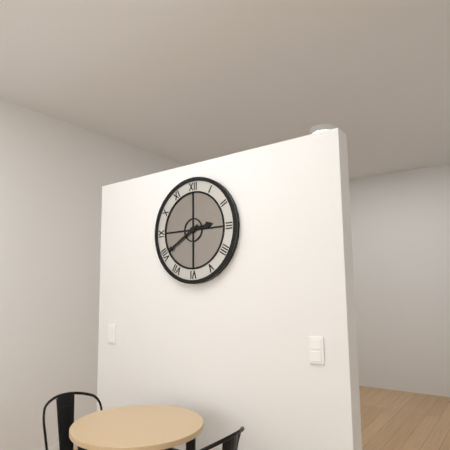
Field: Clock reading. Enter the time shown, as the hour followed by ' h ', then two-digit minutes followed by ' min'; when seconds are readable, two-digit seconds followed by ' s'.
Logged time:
2 h 40 min
